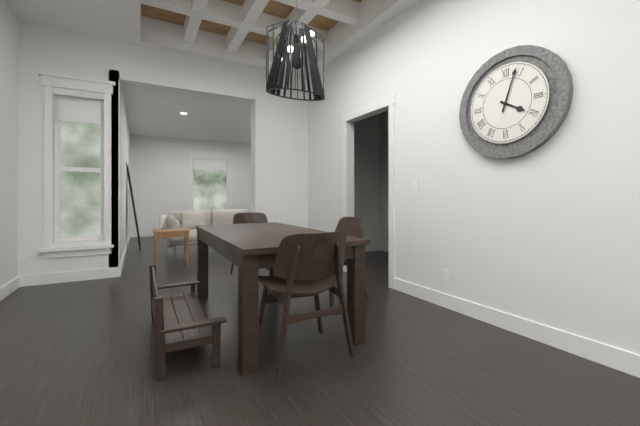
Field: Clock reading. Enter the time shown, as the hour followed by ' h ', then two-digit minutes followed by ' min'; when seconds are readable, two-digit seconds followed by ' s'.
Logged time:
4 h 03 min
